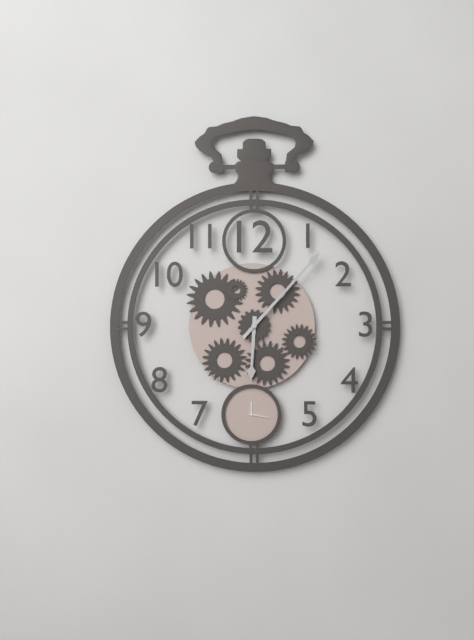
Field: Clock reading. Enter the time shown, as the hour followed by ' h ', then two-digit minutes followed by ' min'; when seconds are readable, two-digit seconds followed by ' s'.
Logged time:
6 h 07 min
